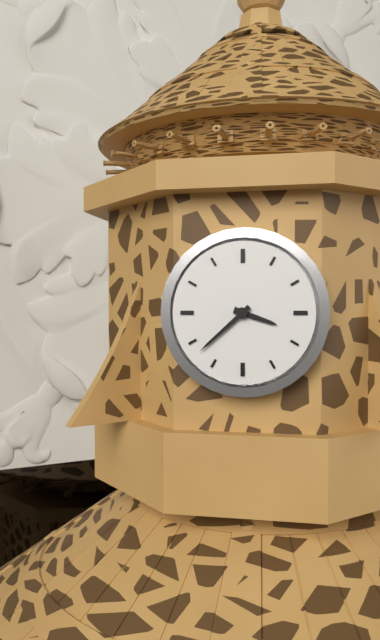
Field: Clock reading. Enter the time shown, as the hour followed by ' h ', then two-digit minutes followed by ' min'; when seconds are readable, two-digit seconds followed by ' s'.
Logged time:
3 h 38 min
